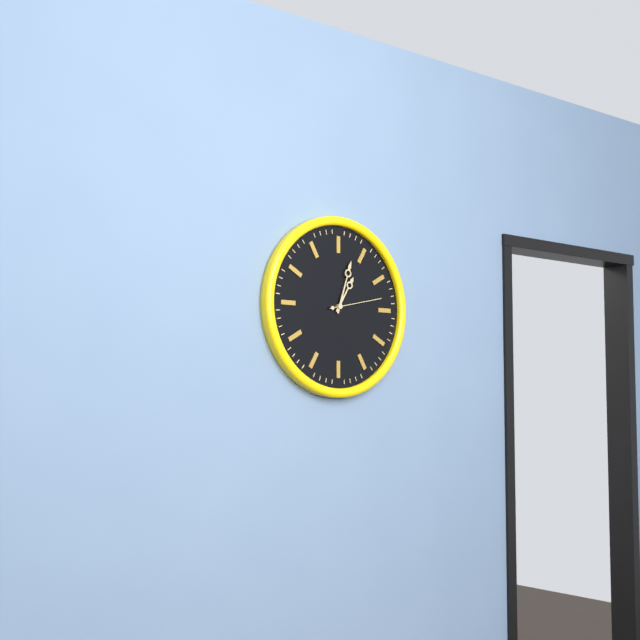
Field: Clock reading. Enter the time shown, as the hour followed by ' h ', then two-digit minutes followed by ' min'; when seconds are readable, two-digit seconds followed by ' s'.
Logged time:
1 h 03 min 13 s
